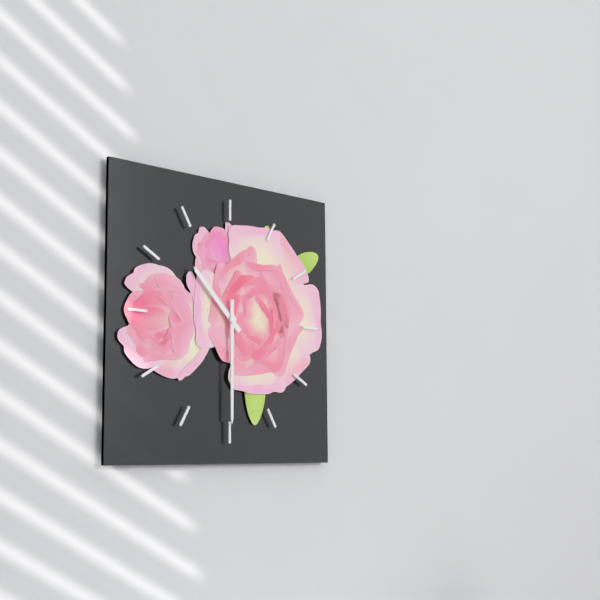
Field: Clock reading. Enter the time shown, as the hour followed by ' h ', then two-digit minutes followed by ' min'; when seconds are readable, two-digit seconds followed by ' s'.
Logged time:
10 h 30 min
